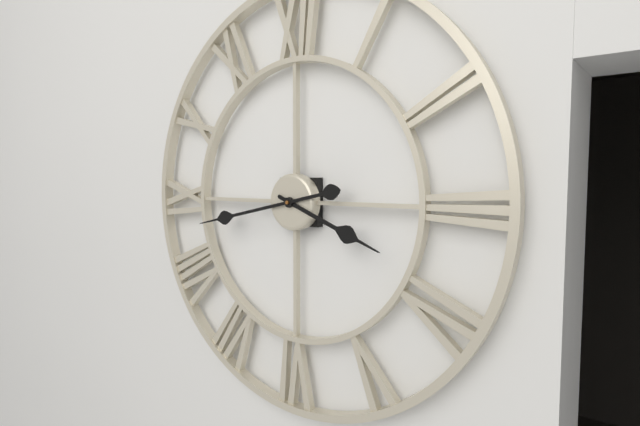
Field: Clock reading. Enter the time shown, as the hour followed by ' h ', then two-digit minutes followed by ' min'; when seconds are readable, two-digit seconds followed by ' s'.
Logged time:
3 h 43 min
